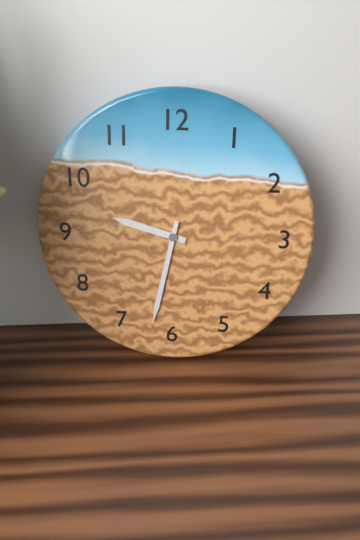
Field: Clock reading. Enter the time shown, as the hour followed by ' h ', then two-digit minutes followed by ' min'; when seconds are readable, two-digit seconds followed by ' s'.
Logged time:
9 h 32 min
